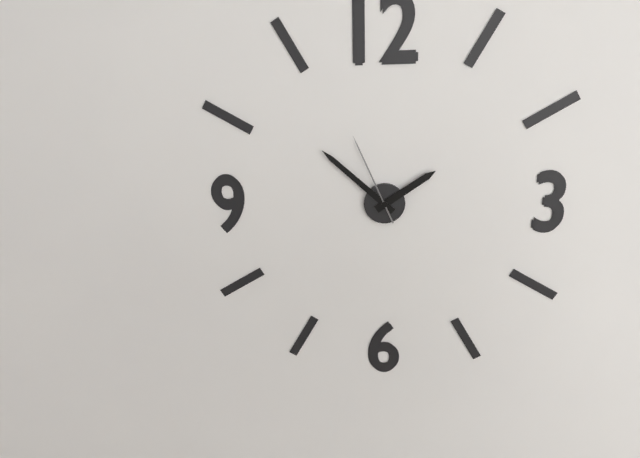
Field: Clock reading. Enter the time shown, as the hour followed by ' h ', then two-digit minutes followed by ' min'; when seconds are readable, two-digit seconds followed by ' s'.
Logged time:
1 h 52 min 56 s
